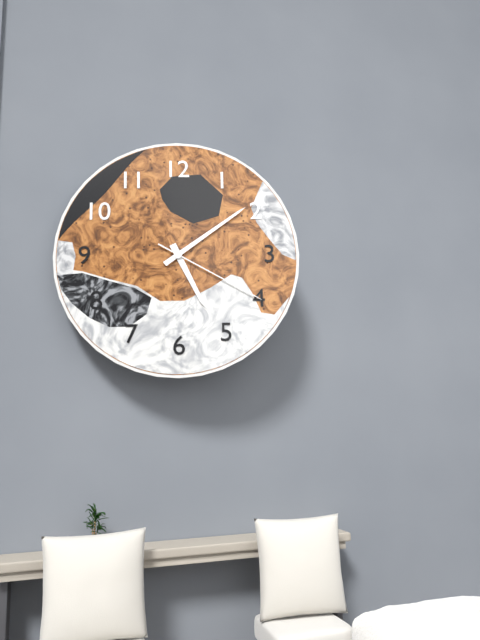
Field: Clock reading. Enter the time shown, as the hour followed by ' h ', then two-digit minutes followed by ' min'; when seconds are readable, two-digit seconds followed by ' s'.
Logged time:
5 h 09 min 20 s
